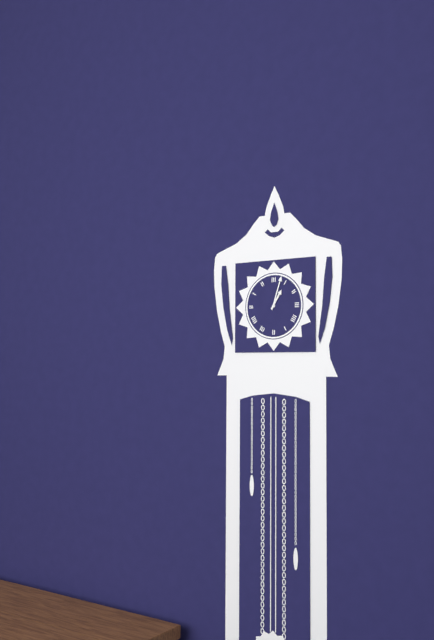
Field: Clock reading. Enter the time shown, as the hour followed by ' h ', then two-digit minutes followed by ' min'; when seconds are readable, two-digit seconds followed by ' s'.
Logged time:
1 h 03 min
